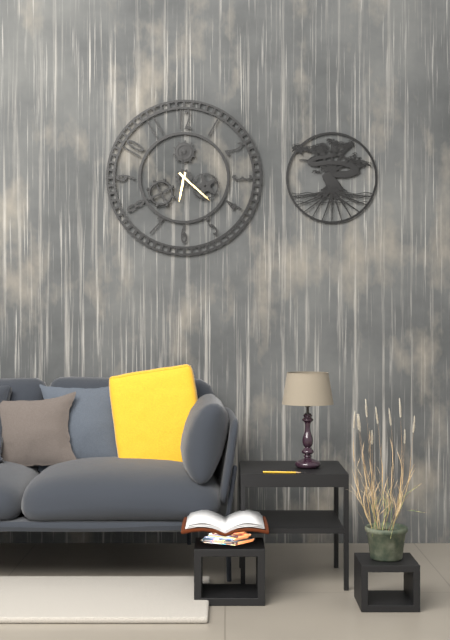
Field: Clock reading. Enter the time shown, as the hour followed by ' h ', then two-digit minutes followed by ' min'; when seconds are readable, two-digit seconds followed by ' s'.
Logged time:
6 h 22 min
